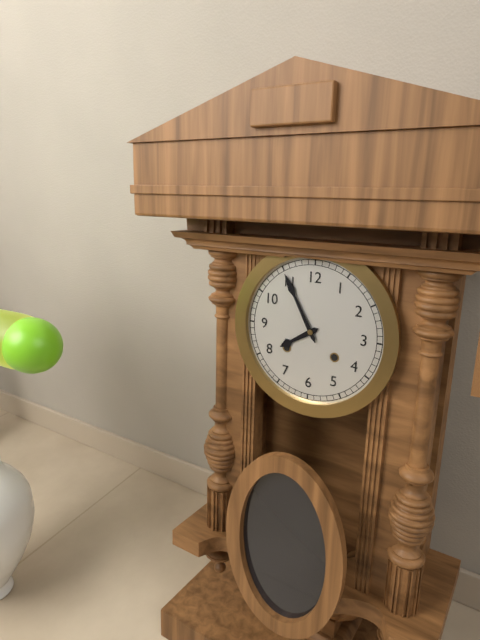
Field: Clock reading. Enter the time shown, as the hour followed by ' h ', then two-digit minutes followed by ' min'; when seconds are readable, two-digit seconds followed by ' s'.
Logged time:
7 h 55 min
